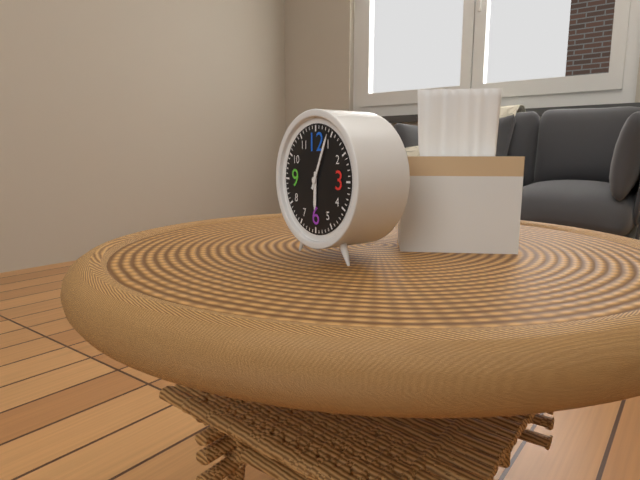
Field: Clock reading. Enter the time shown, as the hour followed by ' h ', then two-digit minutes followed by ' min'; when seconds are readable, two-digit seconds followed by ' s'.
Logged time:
6 h 04 min
